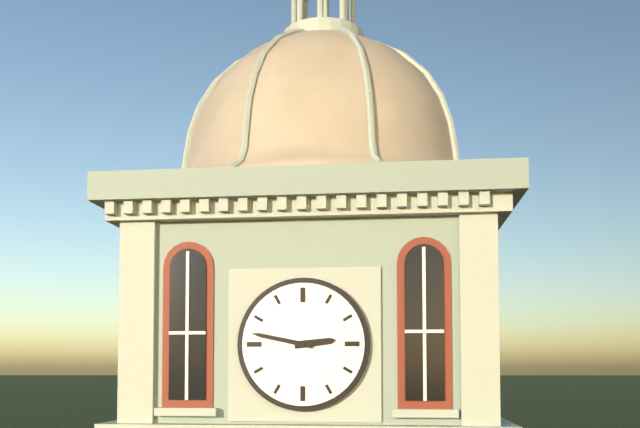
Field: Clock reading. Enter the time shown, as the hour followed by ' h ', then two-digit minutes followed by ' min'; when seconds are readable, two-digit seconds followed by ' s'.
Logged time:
2 h 47 min
